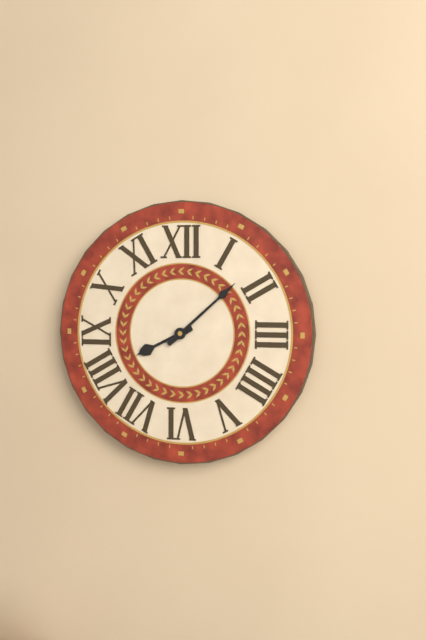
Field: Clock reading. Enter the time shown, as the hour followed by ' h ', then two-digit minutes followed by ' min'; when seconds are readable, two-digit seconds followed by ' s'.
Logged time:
8 h 08 min
